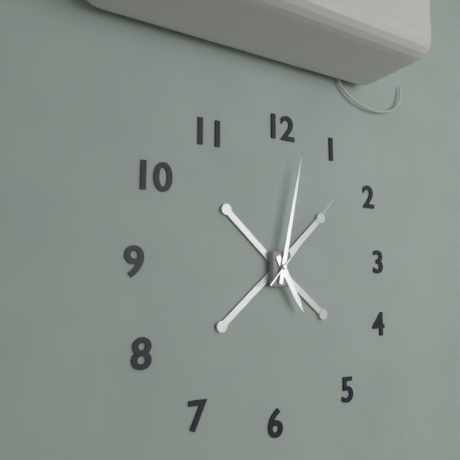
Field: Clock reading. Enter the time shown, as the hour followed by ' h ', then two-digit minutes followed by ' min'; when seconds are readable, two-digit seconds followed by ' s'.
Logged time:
5 h 02 min 07 s
